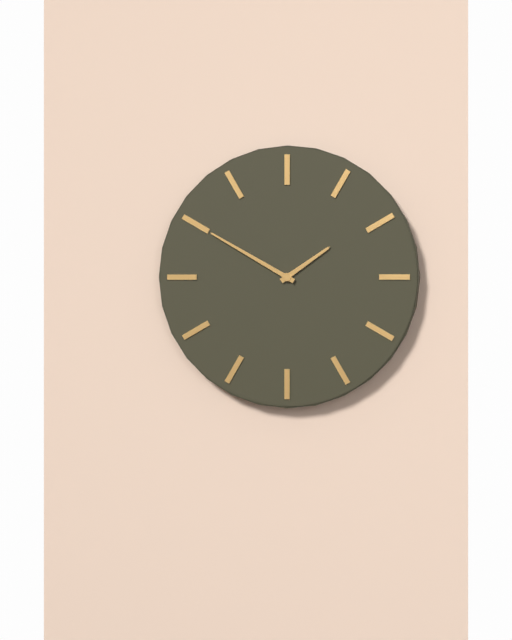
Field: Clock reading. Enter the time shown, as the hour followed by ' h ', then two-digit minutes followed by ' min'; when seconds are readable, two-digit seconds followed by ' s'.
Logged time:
1 h 50 min
